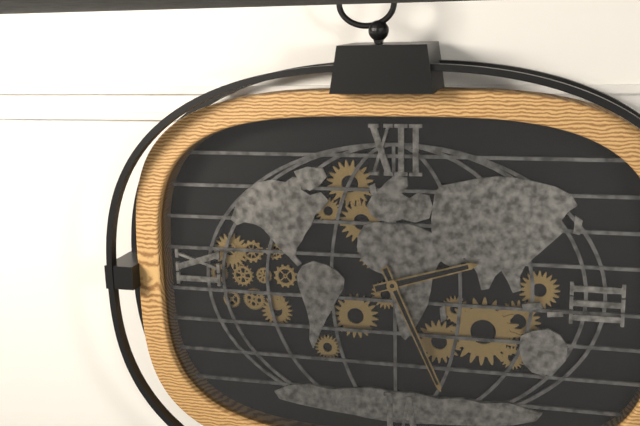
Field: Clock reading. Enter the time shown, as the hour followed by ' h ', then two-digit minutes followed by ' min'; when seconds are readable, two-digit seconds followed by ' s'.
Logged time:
2 h 26 min
